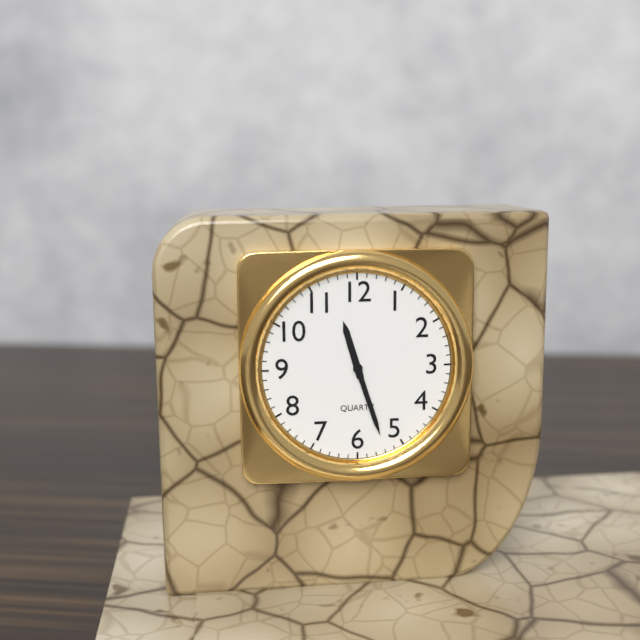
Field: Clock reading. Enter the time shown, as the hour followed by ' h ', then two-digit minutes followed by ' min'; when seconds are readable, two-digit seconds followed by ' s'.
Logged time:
11 h 27 min
